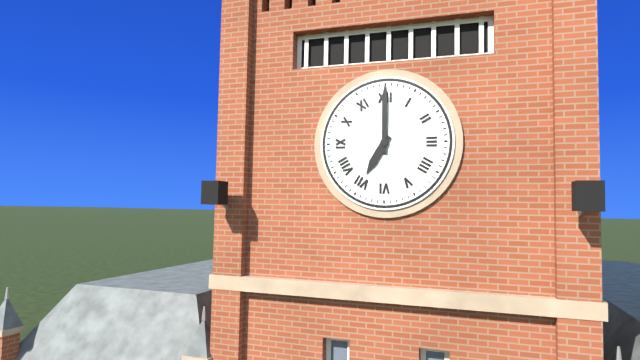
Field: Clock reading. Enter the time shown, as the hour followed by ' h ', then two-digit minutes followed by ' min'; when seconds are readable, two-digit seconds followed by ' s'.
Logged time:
7 h 00 min
